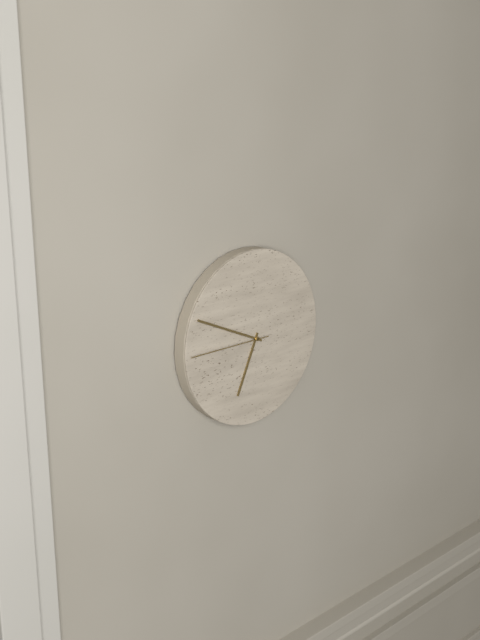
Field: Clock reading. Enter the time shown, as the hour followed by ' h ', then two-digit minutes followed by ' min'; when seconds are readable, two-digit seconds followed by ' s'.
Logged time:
6 h 49 min 45 s
